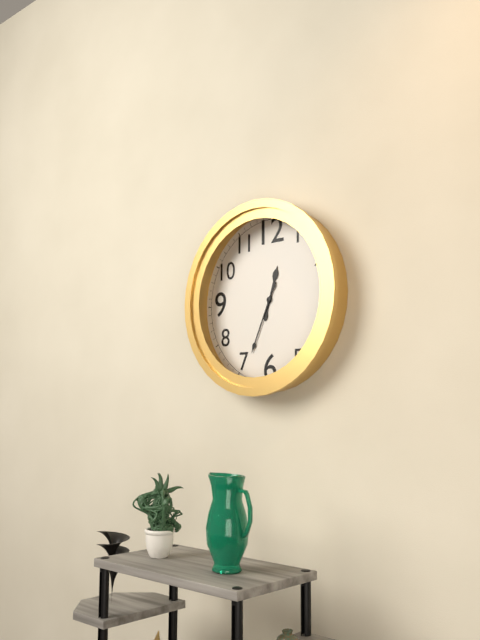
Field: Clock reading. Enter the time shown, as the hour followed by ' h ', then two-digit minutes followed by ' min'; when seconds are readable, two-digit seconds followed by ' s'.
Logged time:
12 h 34 min
